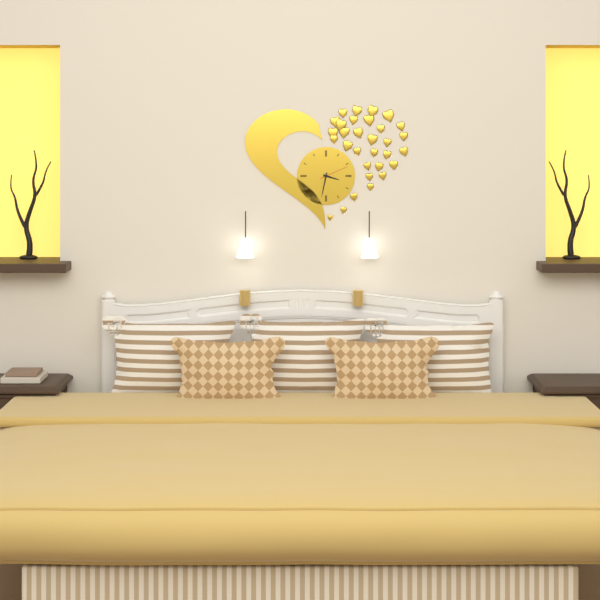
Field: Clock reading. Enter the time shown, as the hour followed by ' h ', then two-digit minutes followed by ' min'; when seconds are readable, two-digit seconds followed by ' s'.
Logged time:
3 h 32 min
